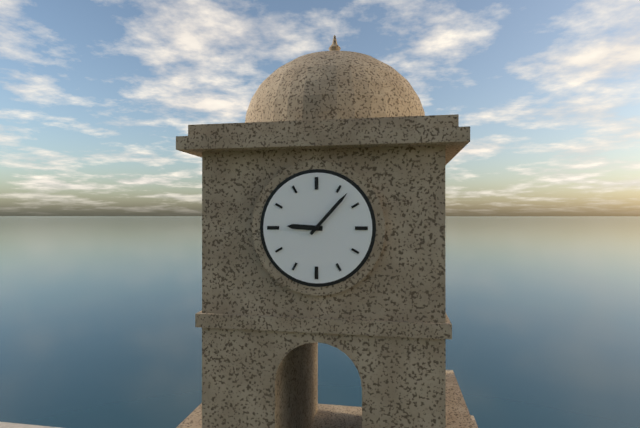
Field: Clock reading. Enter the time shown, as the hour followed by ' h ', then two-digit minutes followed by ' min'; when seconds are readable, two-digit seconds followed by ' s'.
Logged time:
9 h 07 min
